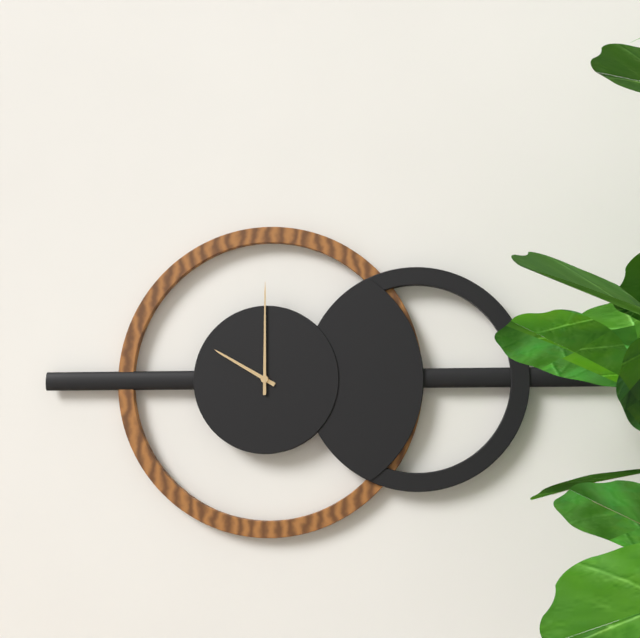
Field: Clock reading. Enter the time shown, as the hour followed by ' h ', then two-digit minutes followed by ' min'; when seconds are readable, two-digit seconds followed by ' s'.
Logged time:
10 h 00 min
